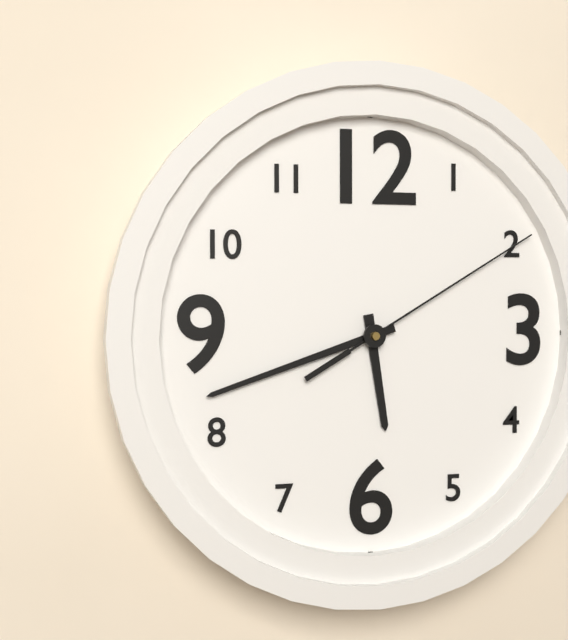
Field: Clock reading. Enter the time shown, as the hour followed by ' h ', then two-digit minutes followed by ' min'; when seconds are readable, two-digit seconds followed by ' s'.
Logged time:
5 h 42 min 10 s
